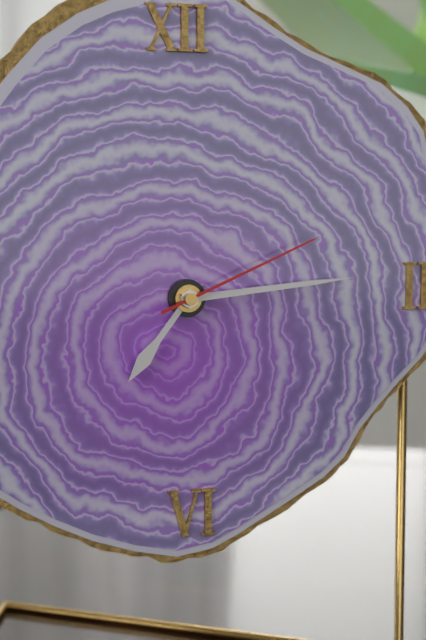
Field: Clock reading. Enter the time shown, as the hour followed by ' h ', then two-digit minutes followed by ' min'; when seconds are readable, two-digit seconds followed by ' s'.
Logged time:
7 h 14 min 11 s
